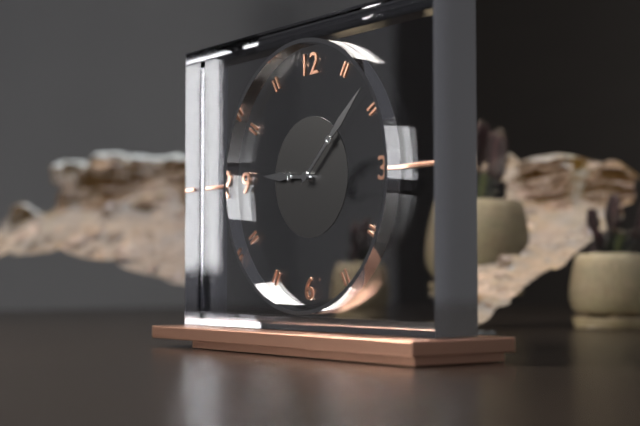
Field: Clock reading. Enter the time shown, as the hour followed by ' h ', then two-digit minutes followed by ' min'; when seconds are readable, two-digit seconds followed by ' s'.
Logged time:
9 h 08 min
